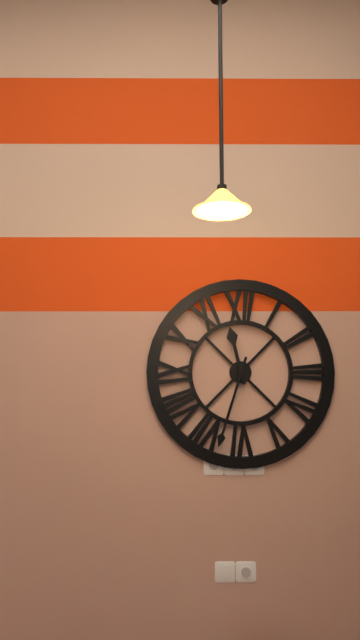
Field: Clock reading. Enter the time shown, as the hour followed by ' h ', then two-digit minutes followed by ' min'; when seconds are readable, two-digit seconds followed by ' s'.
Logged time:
11 h 33 min
